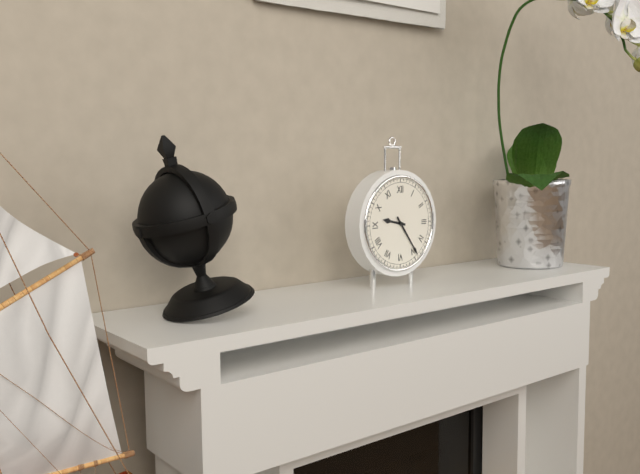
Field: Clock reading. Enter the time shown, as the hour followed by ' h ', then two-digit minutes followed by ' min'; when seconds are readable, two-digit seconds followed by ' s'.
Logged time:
9 h 24 min
